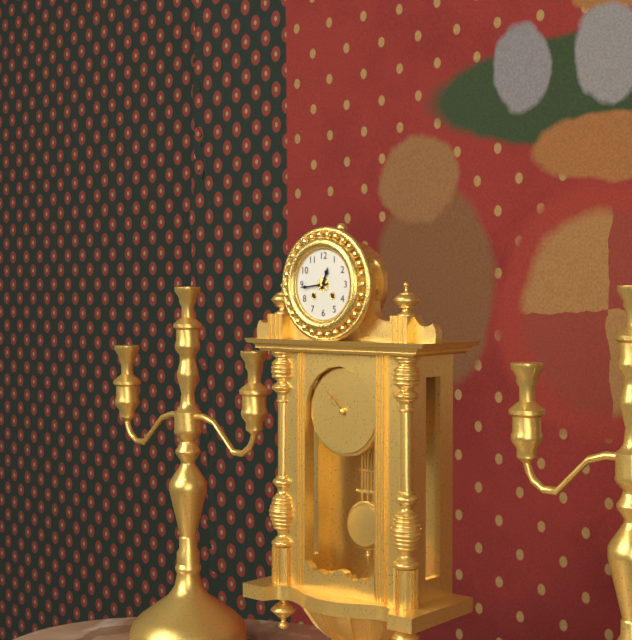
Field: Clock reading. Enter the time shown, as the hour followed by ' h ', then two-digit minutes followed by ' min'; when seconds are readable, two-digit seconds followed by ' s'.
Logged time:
12 h 44 min
